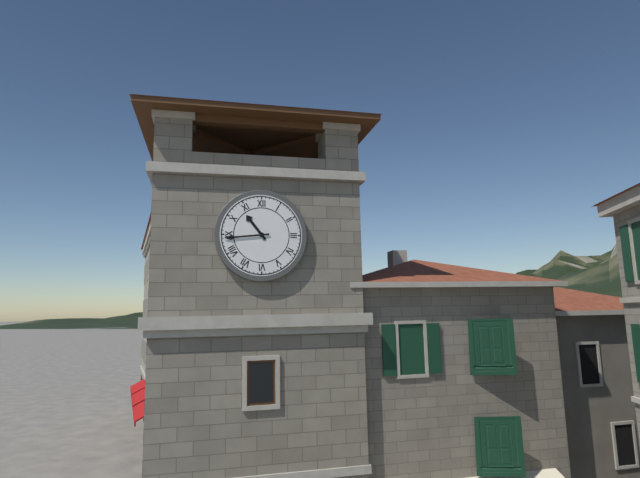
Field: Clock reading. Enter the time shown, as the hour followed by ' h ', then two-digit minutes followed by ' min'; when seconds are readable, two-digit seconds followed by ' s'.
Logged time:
10 h 44 min
